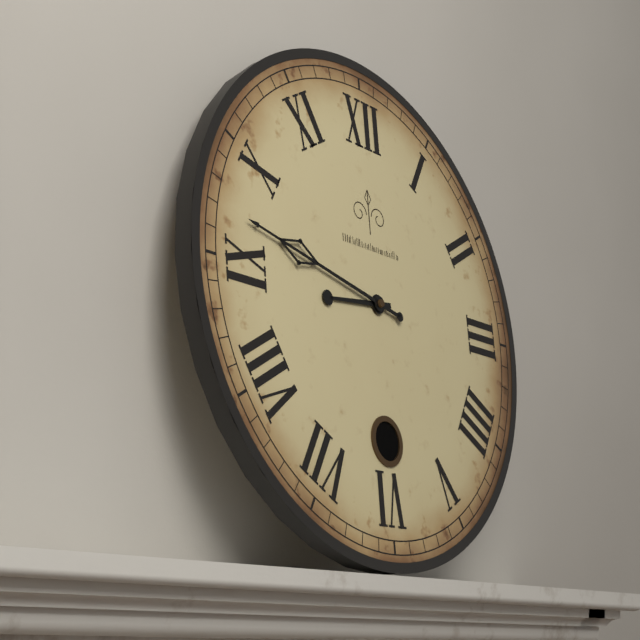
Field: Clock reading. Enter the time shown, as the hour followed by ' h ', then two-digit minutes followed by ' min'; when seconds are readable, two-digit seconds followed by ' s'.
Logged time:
8 h 47 min
